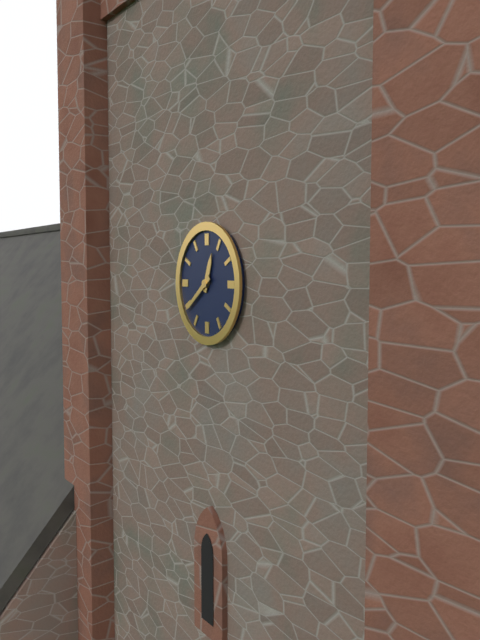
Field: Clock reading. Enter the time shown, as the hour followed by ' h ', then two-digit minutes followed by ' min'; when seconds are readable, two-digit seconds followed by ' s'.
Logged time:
12 h 39 min
